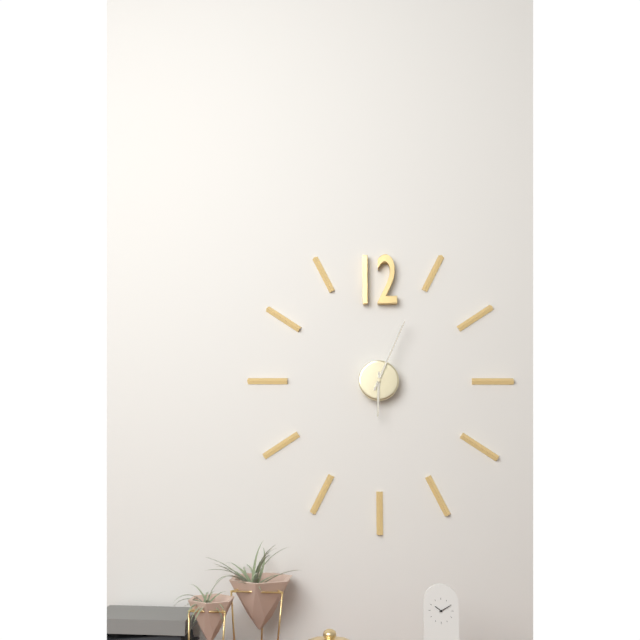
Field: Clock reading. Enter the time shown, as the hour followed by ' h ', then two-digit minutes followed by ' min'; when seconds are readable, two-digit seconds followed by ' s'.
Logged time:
6 h 04 min
